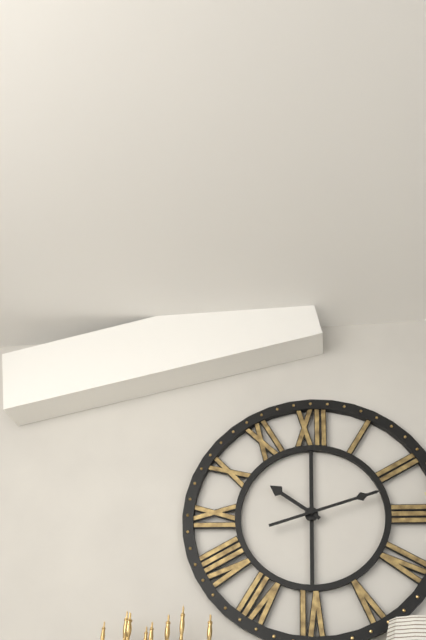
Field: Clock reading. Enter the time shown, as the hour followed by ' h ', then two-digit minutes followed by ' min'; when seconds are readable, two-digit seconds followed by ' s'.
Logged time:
10 h 12 min
